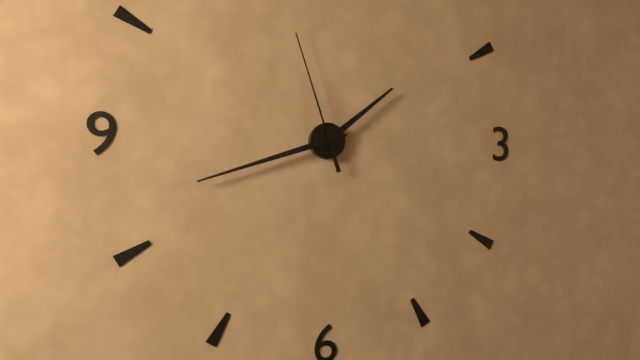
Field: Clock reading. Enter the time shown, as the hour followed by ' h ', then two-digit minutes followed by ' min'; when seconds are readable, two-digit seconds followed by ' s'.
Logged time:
1 h 42 min 57 s
